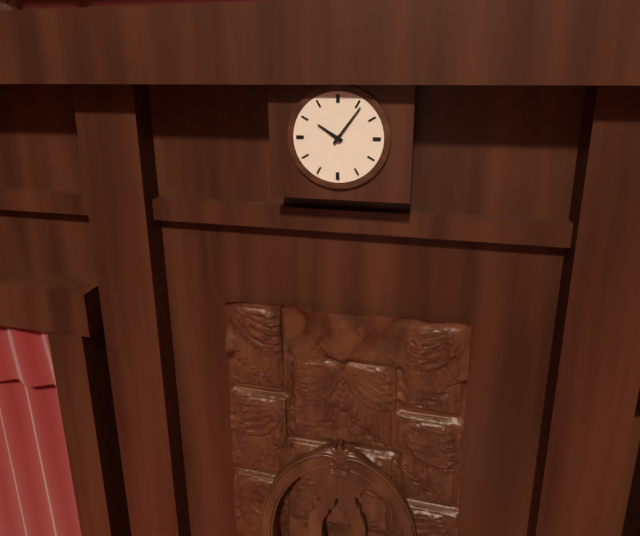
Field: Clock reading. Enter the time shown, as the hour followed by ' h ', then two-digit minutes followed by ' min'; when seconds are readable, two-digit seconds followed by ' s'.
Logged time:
10 h 06 min
